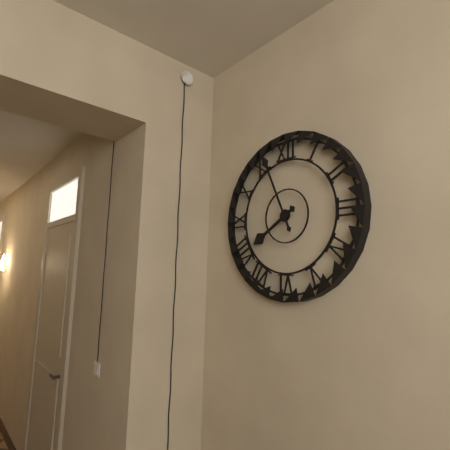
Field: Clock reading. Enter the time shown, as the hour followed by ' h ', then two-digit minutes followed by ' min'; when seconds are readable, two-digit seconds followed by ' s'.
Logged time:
7 h 56 min
